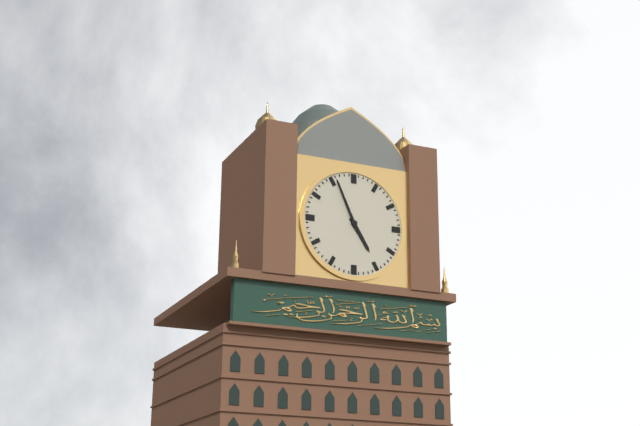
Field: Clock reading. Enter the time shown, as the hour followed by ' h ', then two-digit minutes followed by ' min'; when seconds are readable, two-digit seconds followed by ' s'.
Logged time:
4 h 56 min
